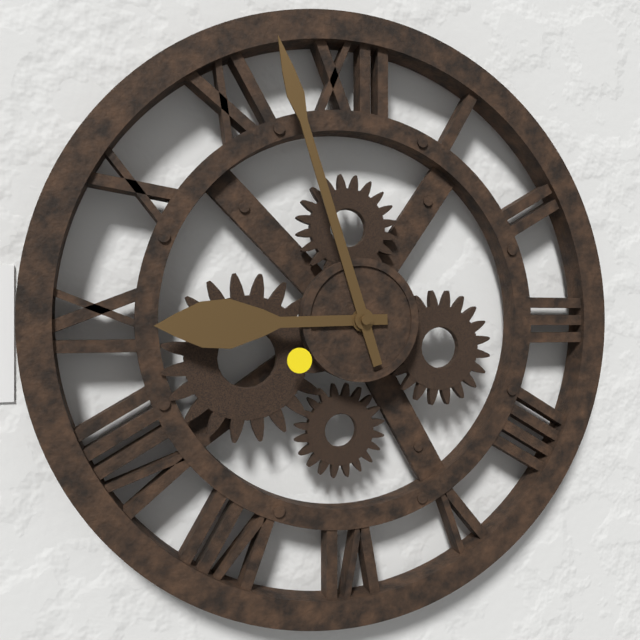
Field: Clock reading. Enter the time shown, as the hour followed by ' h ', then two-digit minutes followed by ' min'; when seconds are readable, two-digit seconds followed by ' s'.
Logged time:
8 h 57 min
